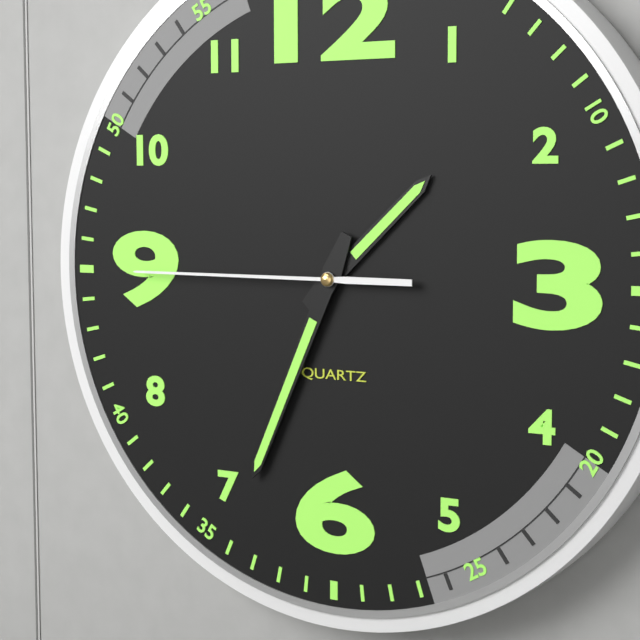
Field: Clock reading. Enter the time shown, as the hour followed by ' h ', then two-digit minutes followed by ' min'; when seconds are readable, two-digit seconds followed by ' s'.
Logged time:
1 h 34 min 45 s
